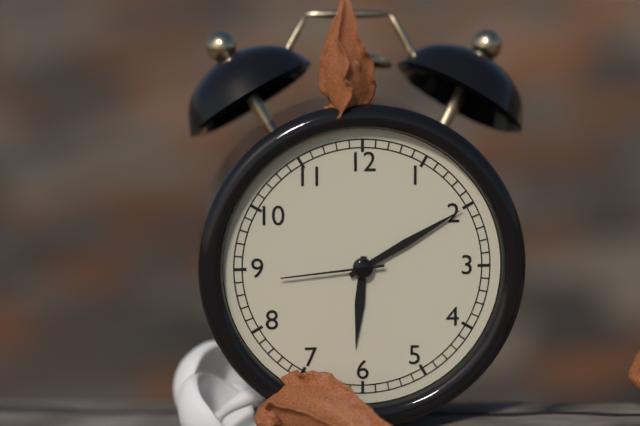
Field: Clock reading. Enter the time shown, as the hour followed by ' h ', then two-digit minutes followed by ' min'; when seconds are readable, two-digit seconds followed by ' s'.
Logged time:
6 h 10 min 44 s
